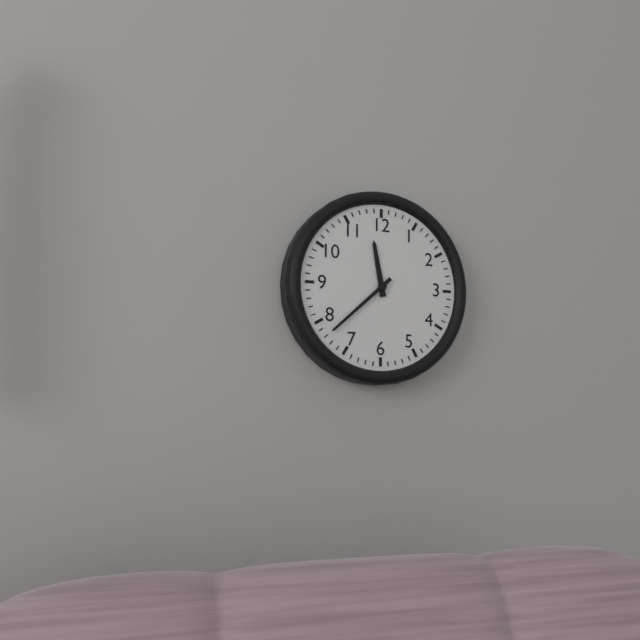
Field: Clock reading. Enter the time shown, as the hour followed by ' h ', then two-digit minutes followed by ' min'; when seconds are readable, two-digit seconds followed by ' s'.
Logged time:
11 h 38 min
